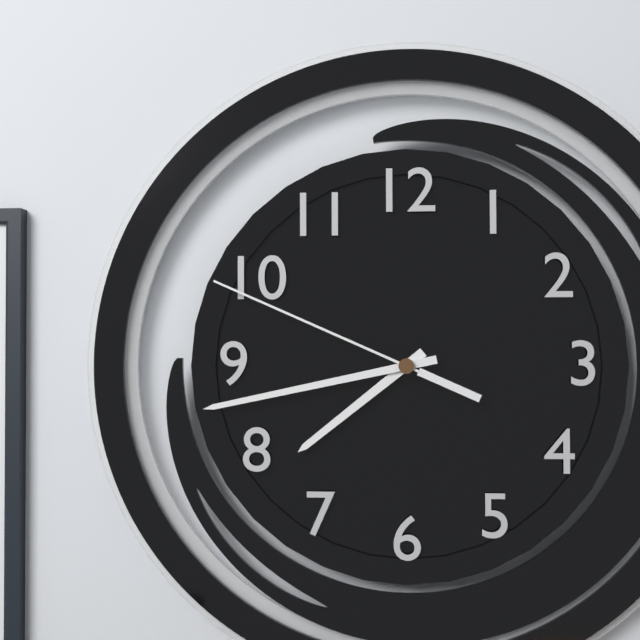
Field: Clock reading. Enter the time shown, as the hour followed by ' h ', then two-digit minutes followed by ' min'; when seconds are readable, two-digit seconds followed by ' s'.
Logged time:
7 h 43 min 49 s
